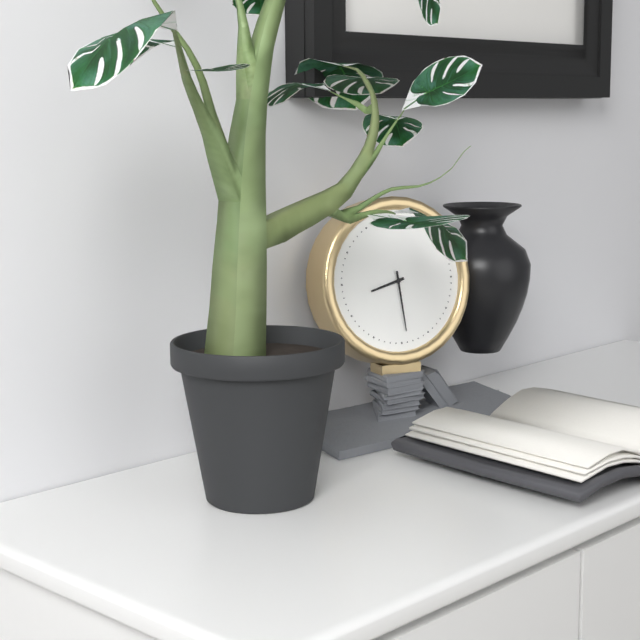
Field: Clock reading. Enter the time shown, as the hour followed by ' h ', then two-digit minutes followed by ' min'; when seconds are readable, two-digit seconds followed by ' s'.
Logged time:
8 h 29 min
